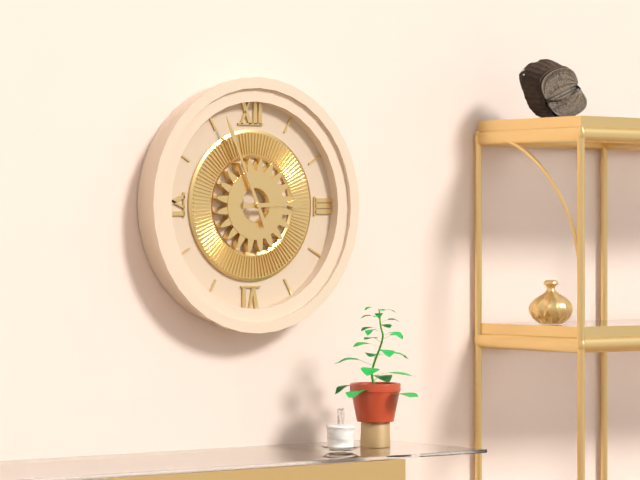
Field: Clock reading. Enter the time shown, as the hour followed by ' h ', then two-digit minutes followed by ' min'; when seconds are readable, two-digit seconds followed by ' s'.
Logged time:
2 h 56 min
